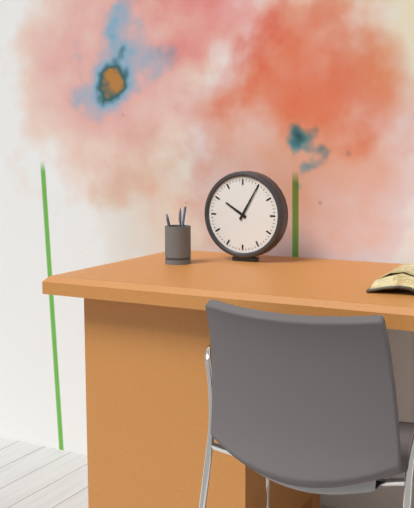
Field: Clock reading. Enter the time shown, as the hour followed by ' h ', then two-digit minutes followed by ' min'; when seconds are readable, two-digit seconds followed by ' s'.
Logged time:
10 h 05 min
